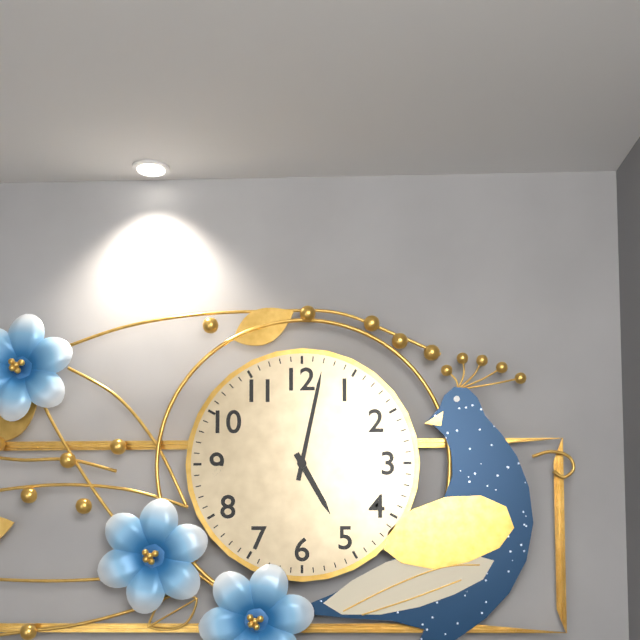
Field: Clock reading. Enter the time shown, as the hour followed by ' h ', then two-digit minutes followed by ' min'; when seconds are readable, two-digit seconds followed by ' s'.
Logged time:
5 h 02 min
